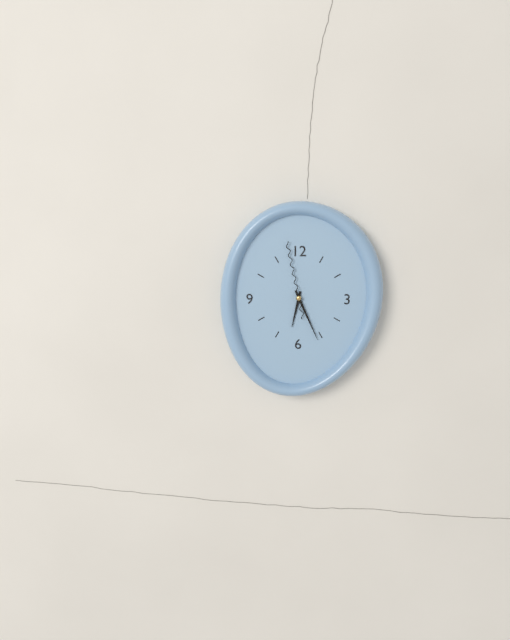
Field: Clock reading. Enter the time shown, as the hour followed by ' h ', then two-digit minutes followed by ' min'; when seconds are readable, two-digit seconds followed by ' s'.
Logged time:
6 h 26 min 58 s
